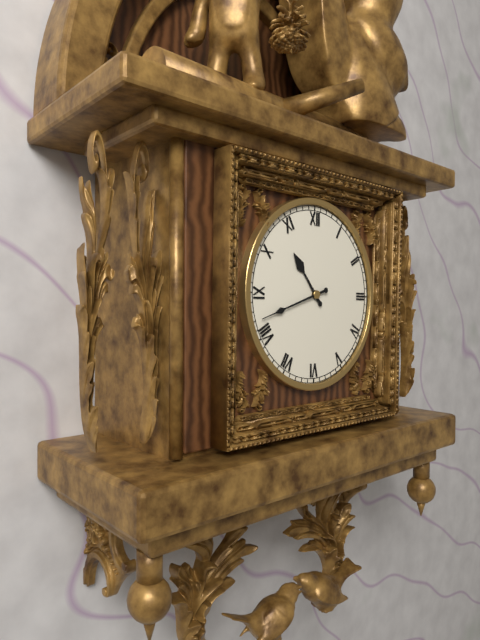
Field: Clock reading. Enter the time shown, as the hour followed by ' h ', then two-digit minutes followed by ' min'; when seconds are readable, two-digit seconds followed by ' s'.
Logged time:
10 h 42 min
